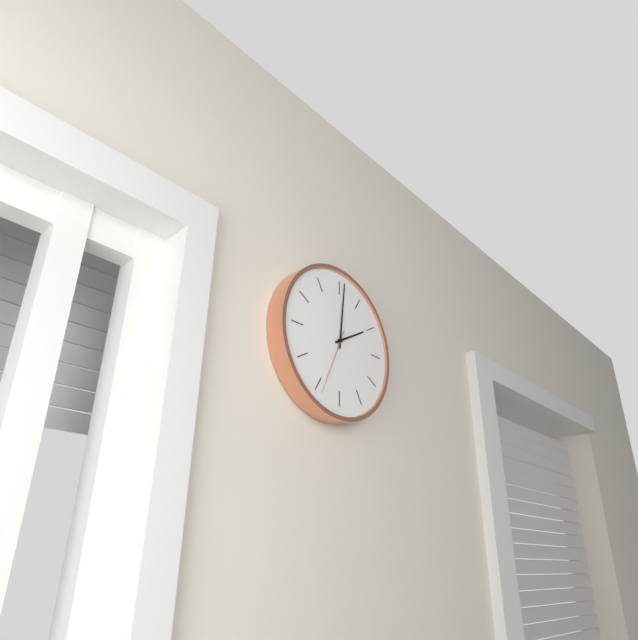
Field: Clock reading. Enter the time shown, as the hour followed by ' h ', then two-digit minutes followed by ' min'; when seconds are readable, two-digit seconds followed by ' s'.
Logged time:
2 h 01 min 34 s
